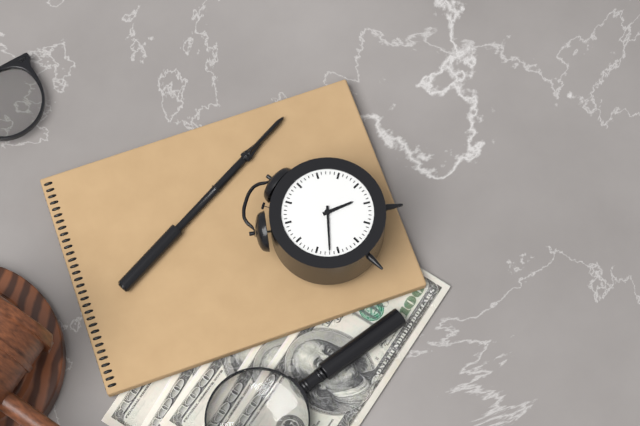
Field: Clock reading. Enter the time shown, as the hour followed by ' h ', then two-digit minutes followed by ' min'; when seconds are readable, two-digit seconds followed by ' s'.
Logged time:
4 h 42 min
